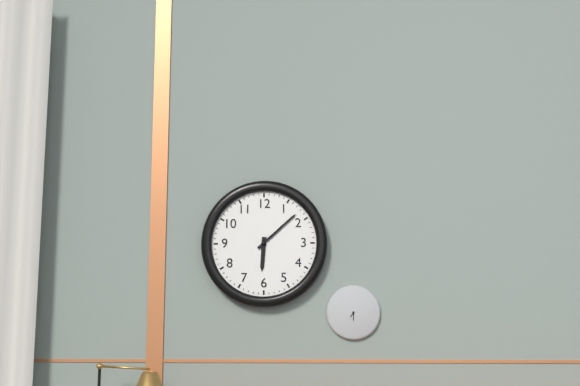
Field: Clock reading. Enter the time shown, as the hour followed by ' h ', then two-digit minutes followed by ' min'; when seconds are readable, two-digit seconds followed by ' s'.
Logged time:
6 h 08 min
